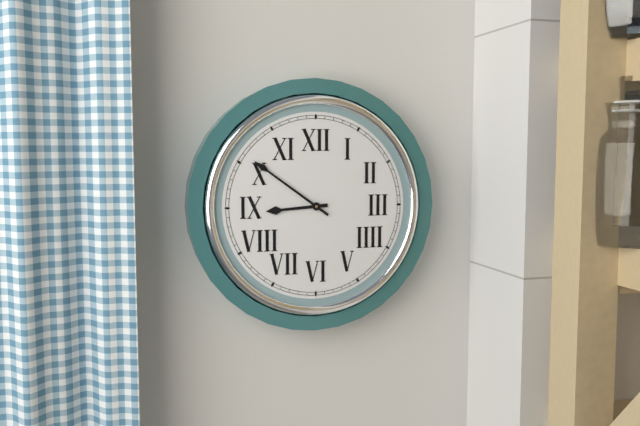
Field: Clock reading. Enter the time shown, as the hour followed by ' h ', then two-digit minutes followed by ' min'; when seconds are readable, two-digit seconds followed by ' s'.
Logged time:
8 h 51 min
